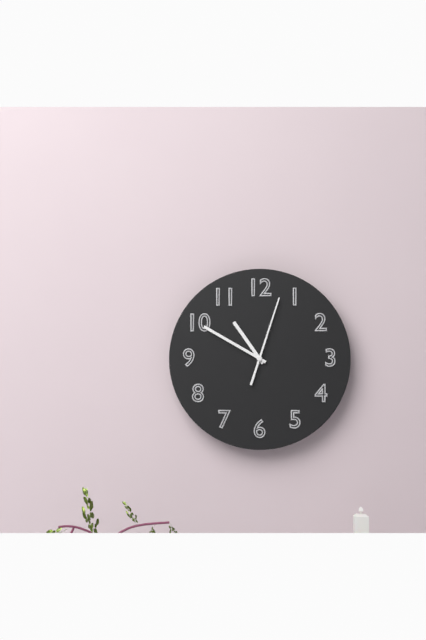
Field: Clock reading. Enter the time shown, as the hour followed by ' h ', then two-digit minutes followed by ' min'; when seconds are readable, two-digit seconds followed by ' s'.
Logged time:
10 h 50 min 03 s
